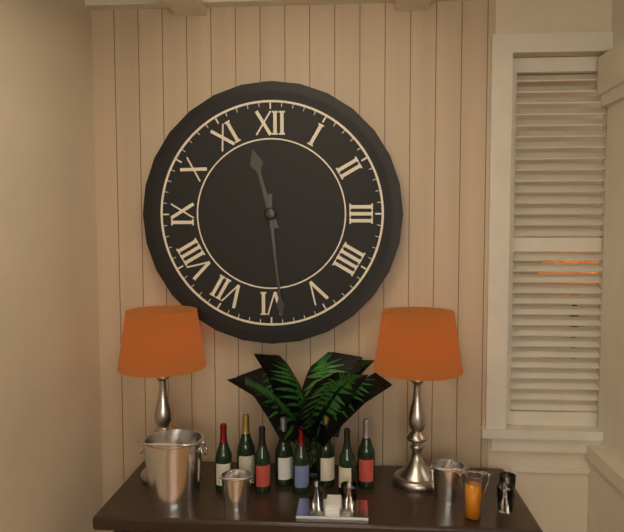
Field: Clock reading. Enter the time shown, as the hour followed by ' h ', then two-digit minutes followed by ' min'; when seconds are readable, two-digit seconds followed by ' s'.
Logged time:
11 h 29 min
